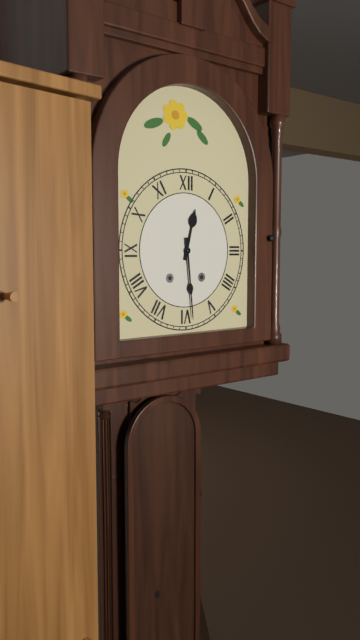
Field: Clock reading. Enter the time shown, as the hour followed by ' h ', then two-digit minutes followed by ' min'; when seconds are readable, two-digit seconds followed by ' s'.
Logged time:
12 h 29 min
